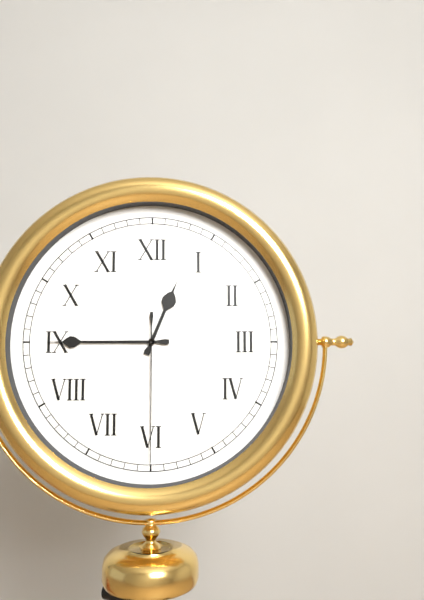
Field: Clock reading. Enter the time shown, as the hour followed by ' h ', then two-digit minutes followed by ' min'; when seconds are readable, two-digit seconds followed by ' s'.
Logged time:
12 h 45 min 30 s
